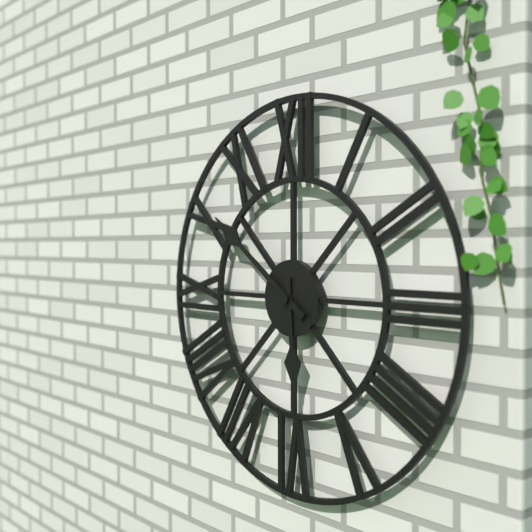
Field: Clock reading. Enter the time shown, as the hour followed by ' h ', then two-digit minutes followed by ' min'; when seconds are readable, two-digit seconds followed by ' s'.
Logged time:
5 h 51 min
